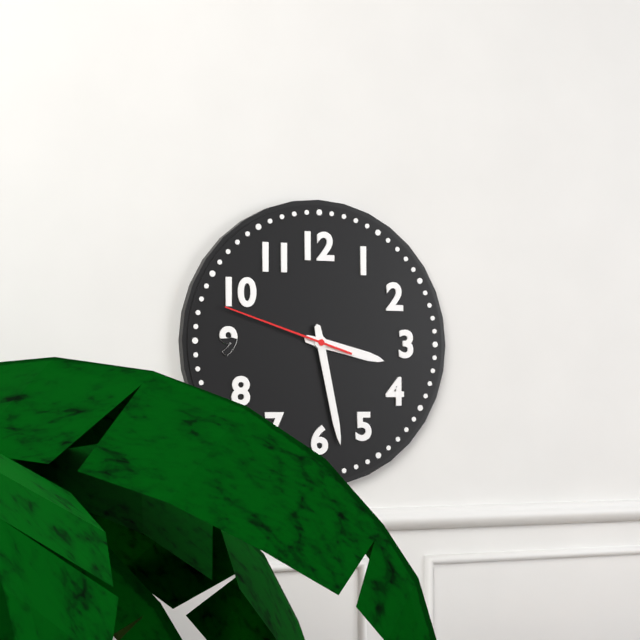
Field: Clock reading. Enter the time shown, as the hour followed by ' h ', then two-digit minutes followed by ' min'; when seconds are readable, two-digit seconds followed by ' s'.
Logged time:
3 h 28 min 48 s
